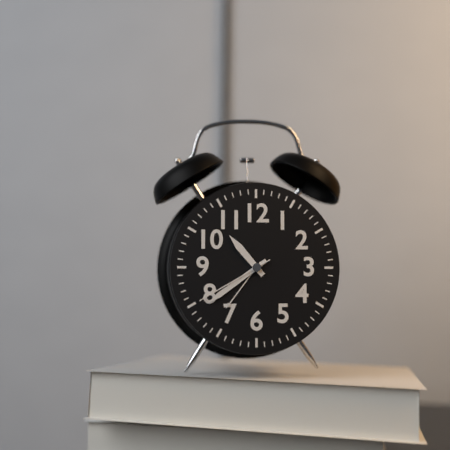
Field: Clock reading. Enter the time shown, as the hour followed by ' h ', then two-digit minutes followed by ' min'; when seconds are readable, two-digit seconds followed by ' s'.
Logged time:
10 h 39 min 40 s
